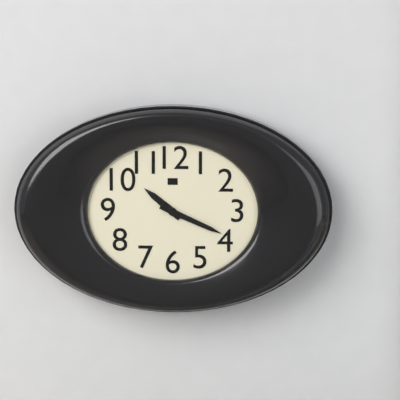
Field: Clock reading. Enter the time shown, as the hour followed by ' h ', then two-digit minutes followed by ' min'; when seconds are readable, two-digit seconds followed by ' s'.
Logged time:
10 h 19 min
